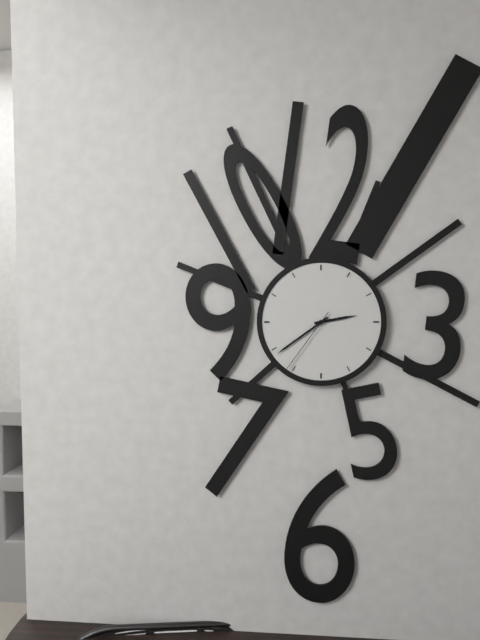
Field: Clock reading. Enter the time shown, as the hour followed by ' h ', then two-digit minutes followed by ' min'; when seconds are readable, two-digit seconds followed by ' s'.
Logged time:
2 h 39 min 36 s
